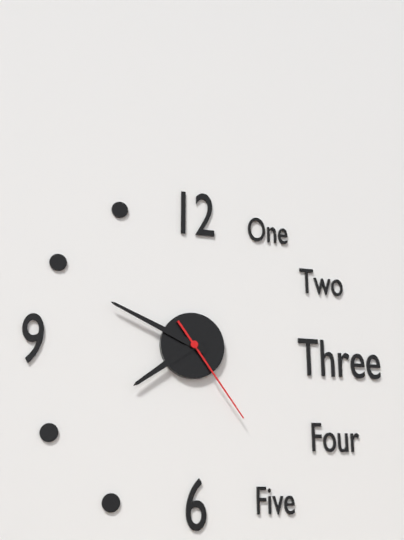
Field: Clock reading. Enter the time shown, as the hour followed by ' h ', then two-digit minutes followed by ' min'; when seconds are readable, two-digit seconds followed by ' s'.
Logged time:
7 h 49 min 24 s
